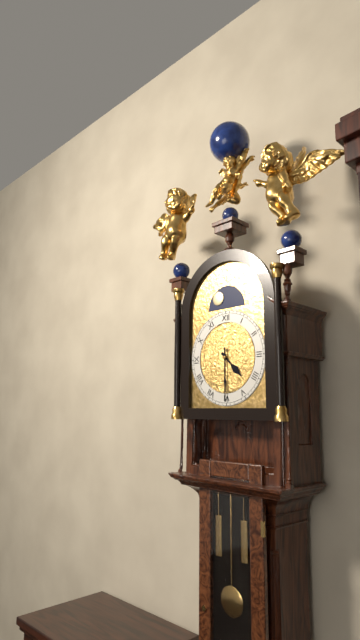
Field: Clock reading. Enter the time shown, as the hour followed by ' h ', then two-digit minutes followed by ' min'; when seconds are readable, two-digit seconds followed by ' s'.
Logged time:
4 h 30 min
